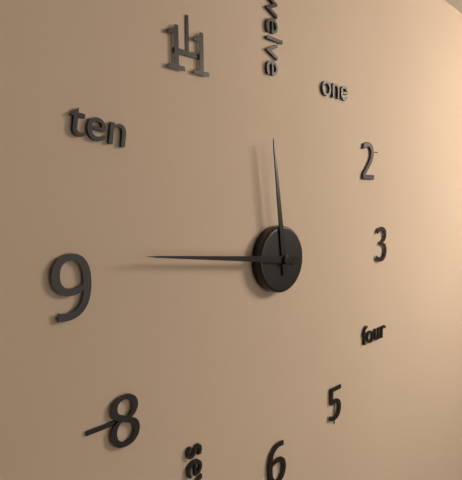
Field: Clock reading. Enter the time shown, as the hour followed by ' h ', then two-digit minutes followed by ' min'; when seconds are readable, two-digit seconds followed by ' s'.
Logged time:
11 h 46 min
